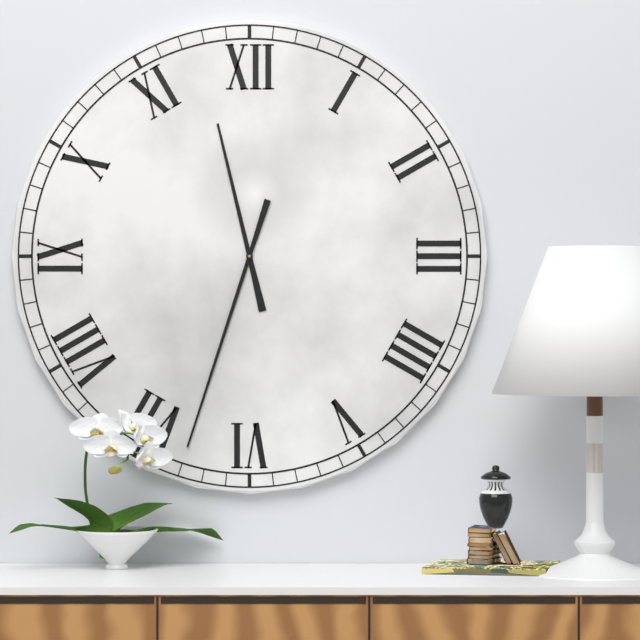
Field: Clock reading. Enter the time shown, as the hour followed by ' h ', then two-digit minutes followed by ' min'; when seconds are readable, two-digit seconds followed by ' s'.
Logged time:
11 h 33 min
